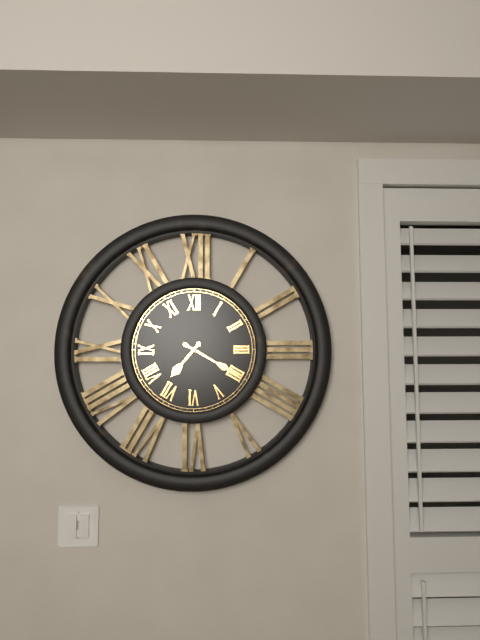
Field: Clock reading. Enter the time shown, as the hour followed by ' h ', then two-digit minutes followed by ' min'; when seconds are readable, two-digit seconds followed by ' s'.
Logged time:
7 h 20 min
